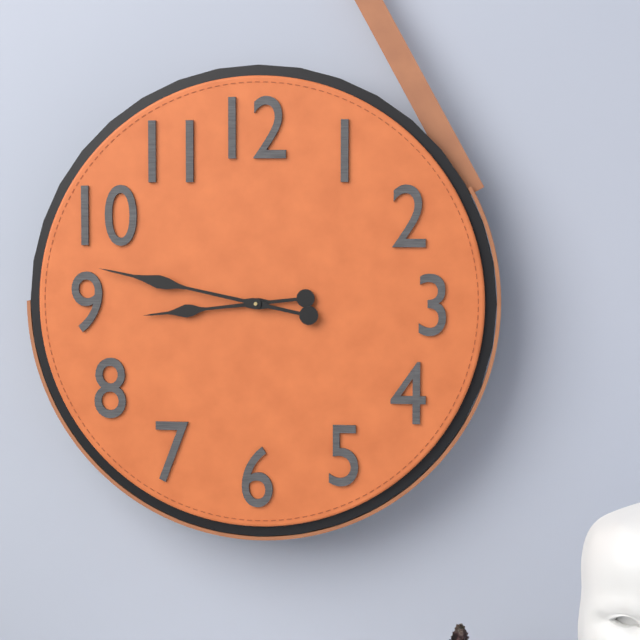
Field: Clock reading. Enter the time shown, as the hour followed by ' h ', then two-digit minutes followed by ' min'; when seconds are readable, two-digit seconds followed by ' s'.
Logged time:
8 h 47 min
